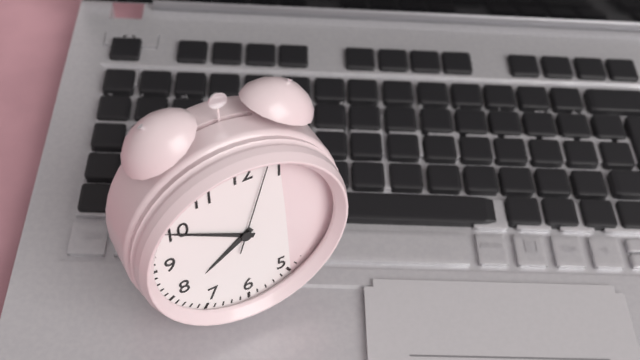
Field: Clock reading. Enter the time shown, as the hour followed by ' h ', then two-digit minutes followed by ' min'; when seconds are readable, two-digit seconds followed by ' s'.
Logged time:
7 h 50 min 03 s
